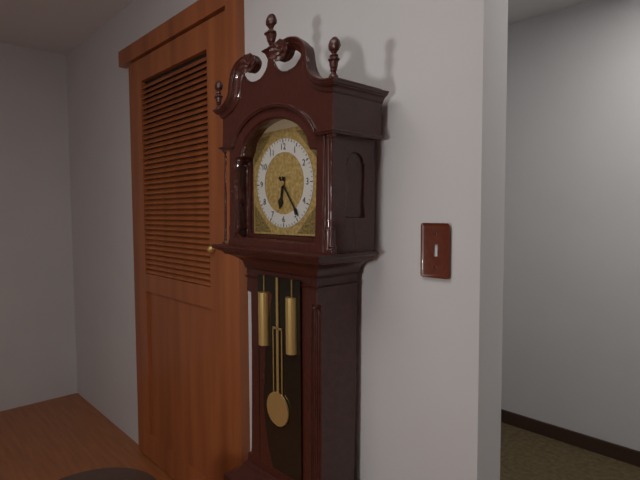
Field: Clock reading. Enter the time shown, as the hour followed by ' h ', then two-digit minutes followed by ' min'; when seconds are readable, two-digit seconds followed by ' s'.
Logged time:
6 h 24 min
